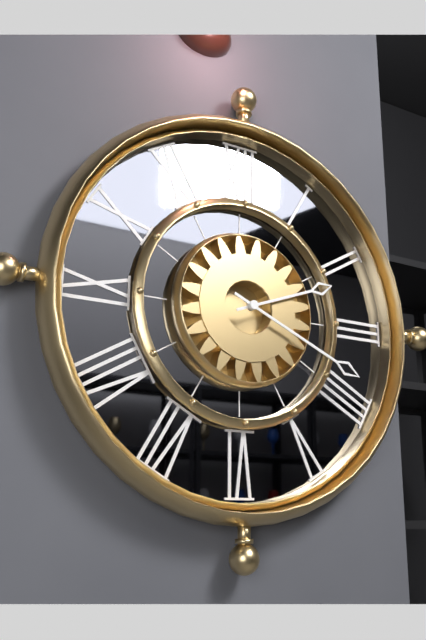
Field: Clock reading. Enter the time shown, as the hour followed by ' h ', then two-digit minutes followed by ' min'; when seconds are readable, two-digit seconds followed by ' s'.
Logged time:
2 h 19 min
